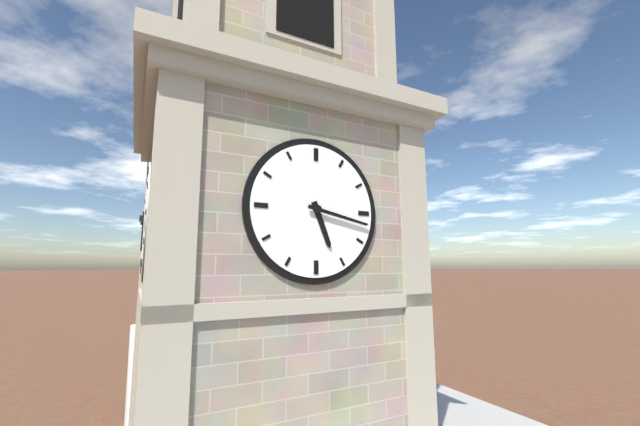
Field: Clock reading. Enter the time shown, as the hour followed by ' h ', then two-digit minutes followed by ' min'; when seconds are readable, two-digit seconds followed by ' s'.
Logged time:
5 h 17 min
